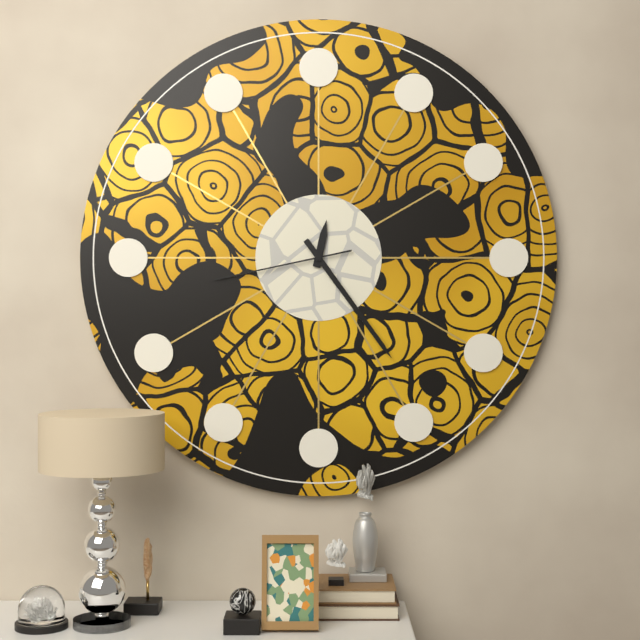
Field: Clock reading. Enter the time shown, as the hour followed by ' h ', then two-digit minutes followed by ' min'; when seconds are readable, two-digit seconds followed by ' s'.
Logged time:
12 h 24 min 43 s
